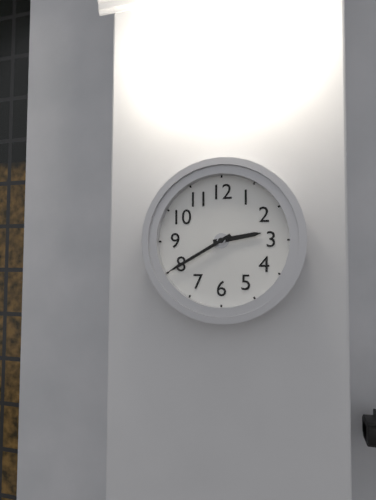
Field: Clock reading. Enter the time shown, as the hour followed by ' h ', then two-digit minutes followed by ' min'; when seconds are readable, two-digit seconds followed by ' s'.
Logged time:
2 h 40 min
